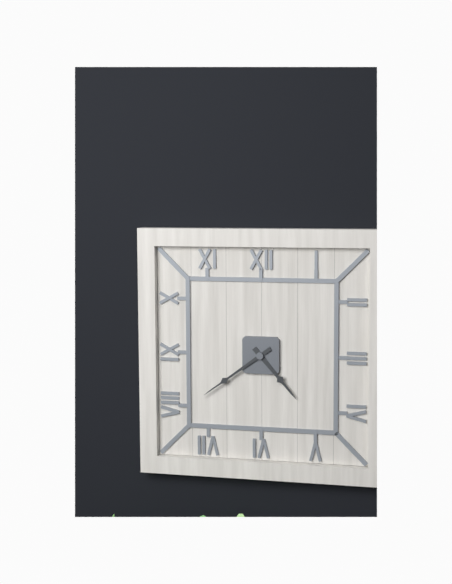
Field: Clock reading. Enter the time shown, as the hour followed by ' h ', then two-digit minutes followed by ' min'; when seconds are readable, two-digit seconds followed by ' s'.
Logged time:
4 h 39 min
